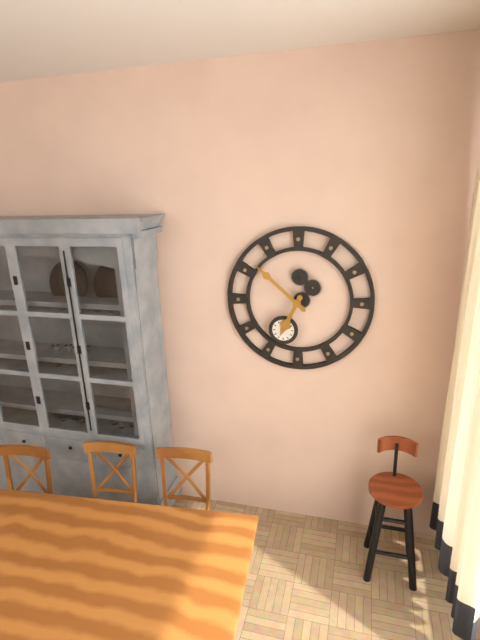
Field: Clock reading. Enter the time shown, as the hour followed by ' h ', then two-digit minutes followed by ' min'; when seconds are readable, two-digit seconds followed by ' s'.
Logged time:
6 h 52 min
